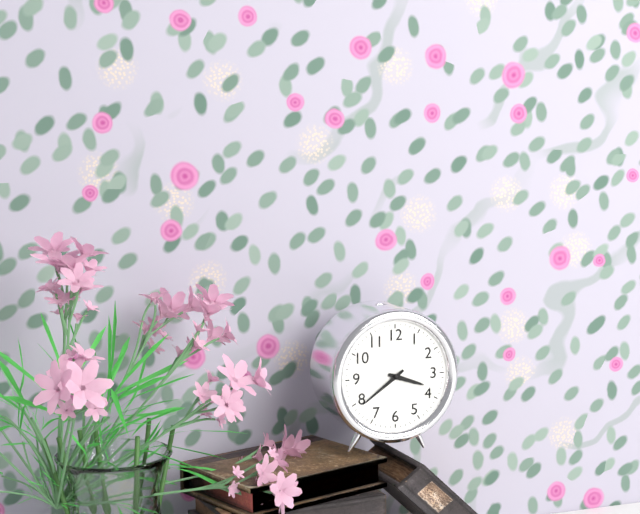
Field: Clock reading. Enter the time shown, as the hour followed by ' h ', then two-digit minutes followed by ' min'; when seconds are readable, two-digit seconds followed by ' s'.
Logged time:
3 h 39 min
